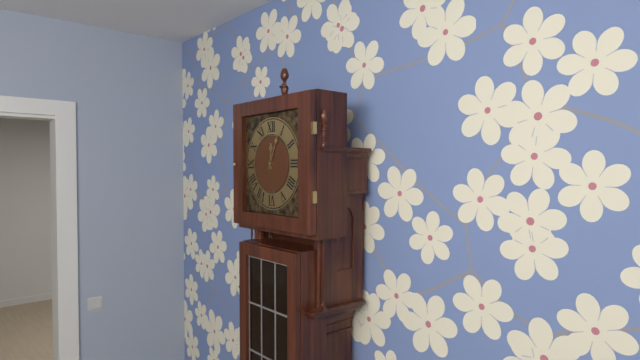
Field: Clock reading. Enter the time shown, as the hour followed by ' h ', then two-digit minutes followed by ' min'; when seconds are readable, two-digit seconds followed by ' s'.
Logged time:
12 h 04 min
